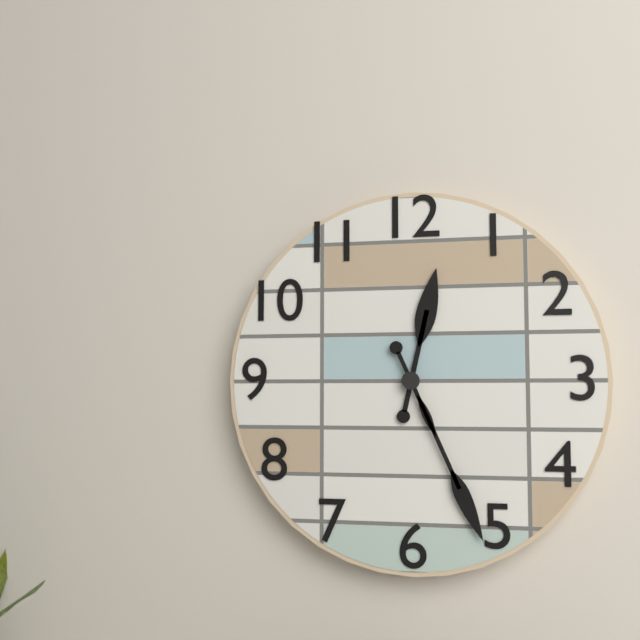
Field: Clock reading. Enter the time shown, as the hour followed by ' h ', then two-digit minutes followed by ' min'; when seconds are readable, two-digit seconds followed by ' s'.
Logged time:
12 h 26 min
